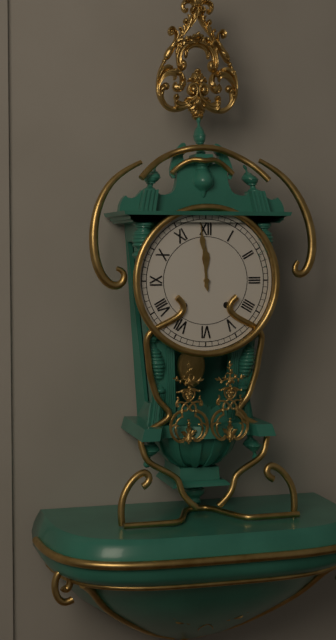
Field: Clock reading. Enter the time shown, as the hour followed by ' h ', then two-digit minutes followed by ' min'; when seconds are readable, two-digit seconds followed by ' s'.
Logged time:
11 h 59 min
